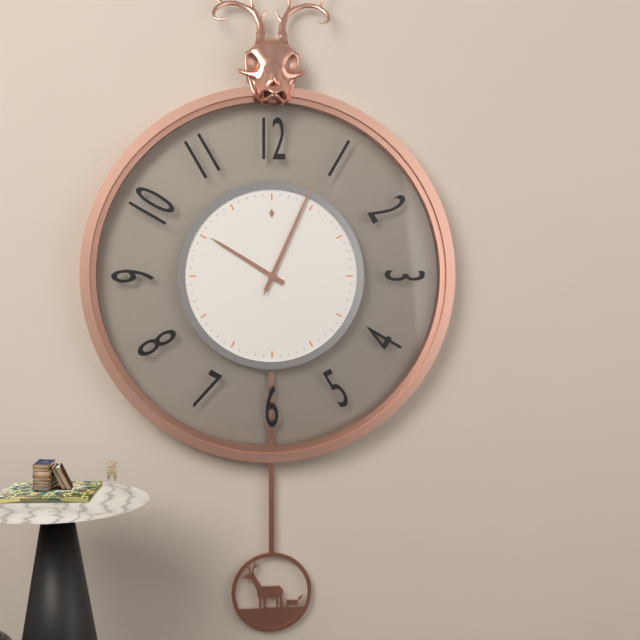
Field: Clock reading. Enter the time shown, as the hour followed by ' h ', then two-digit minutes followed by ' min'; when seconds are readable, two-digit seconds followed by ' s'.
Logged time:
10 h 04 min 04 s
